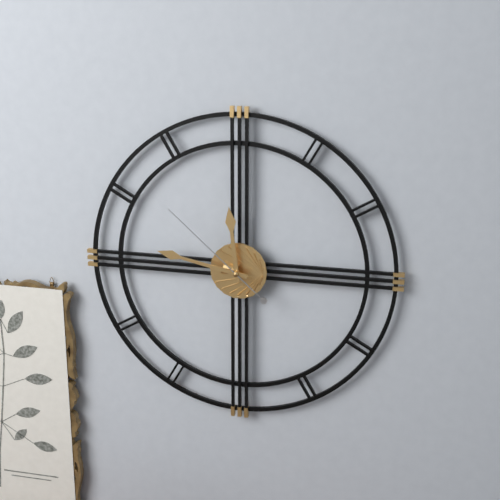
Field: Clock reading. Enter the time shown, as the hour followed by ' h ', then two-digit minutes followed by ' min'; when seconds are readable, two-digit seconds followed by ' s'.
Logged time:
11 h 47 min 52 s
